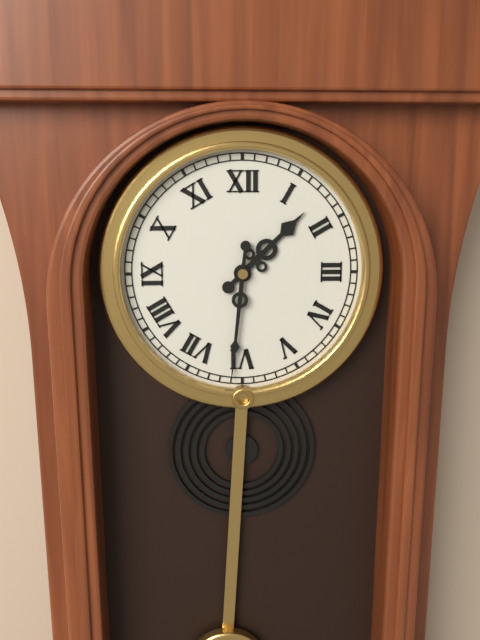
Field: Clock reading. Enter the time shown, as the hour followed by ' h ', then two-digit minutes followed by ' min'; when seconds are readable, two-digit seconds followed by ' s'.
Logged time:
1 h 31 min
